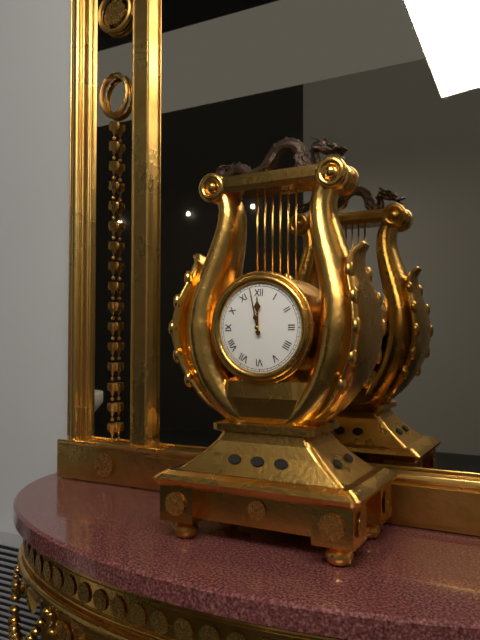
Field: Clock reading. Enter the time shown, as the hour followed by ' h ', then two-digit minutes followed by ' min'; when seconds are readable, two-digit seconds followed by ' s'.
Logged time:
11 h 58 min
